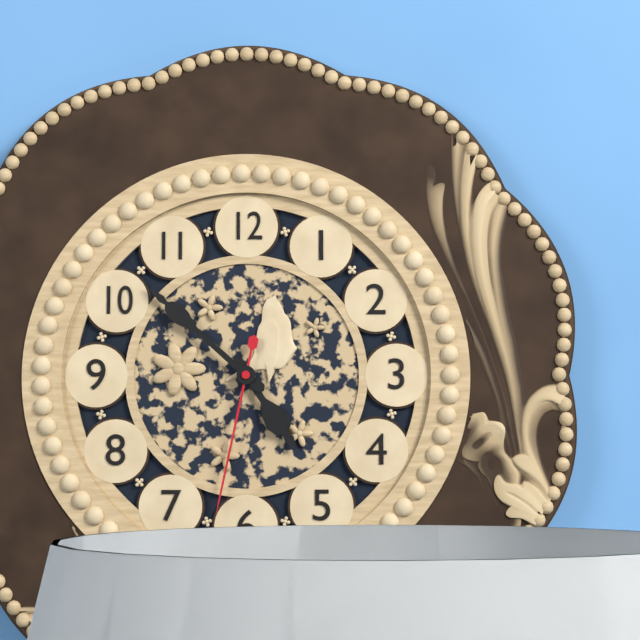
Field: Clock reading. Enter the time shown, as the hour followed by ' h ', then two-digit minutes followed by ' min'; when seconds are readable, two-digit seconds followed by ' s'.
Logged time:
4 h 52 min 32 s
